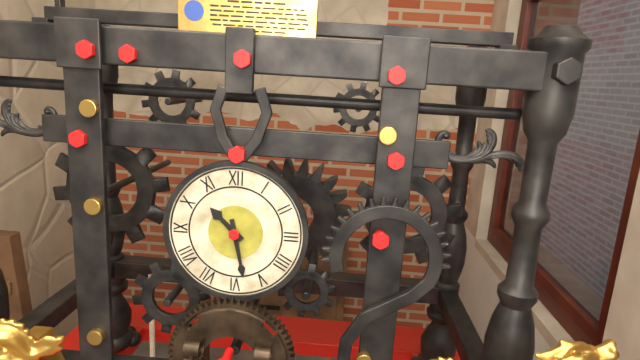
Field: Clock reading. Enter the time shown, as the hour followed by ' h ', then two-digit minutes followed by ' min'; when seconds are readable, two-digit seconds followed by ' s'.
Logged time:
10 h 28 min
